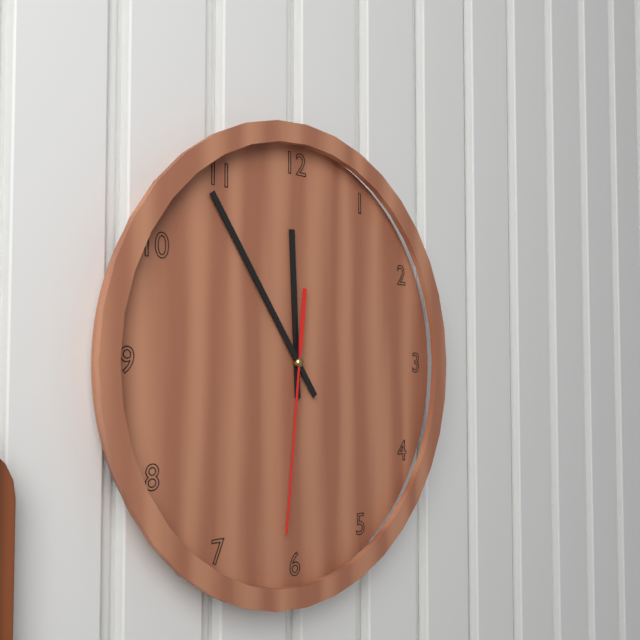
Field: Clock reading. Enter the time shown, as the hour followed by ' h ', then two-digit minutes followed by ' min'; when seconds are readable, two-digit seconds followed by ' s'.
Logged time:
11 h 54 min 31 s
